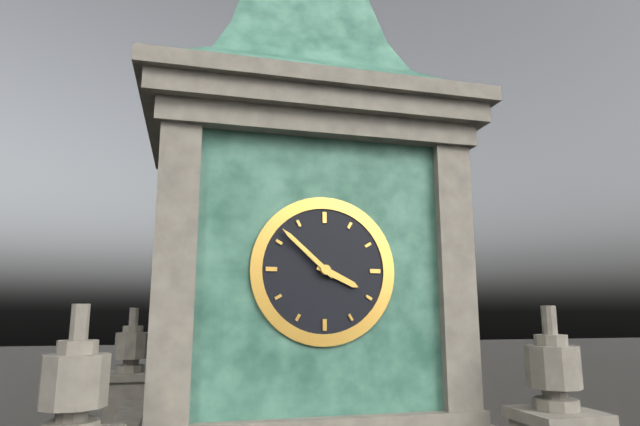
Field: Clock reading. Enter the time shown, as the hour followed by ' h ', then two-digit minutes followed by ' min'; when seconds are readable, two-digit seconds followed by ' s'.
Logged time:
3 h 52 min
